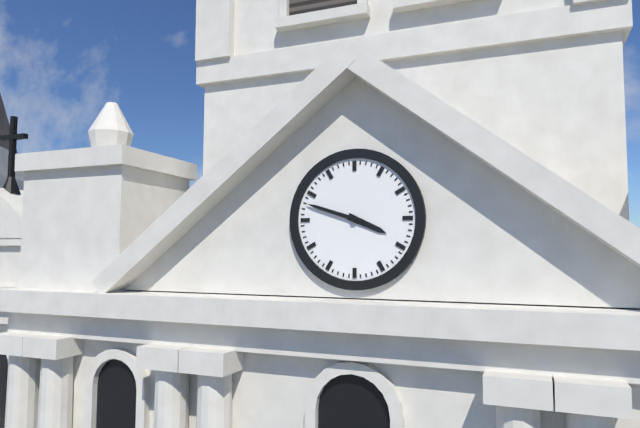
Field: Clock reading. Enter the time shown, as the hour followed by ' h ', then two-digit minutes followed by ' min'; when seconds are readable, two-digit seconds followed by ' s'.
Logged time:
3 h 48 min
